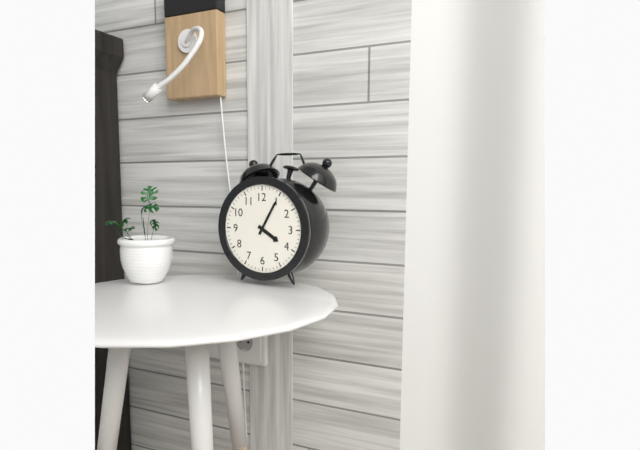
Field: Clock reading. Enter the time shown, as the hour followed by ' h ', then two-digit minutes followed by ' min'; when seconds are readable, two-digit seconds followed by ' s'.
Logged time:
4 h 05 min
